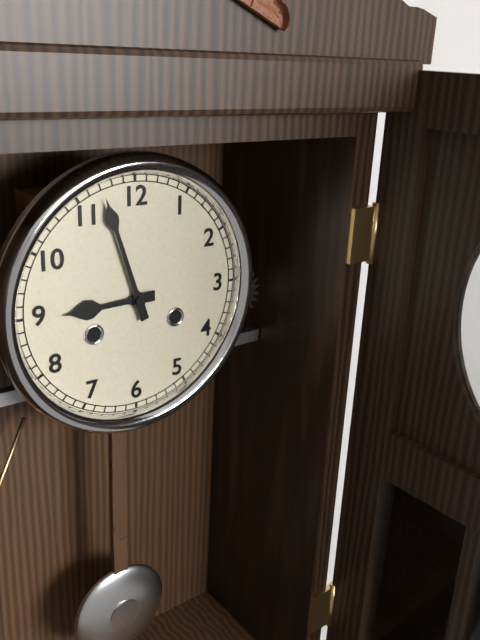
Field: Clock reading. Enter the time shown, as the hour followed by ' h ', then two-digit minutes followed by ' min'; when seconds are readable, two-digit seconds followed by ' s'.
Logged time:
8 h 57 min
